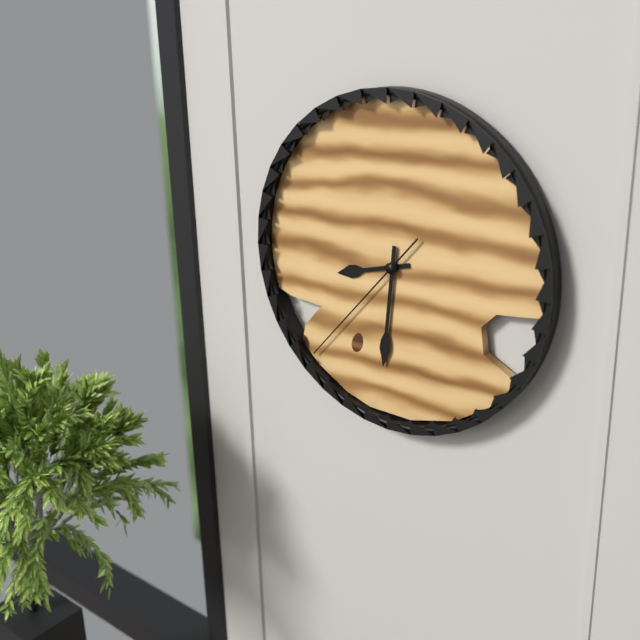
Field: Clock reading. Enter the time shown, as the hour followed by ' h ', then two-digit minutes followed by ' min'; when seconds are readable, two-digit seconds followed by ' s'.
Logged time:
8 h 31 min 37 s
